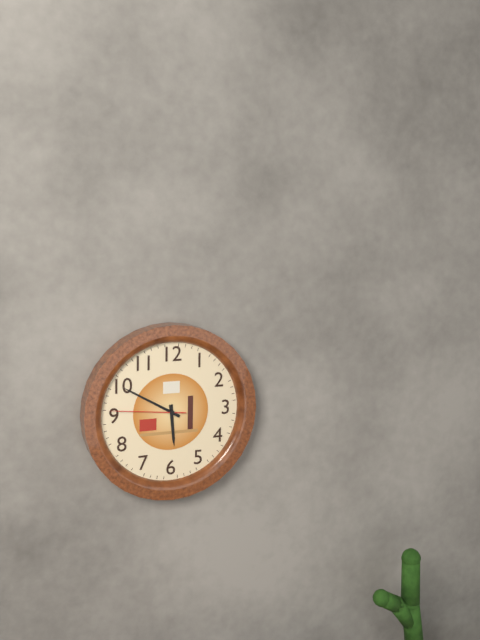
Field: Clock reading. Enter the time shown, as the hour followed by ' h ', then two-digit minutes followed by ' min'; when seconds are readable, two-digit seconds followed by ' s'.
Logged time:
5 h 50 min 46 s
